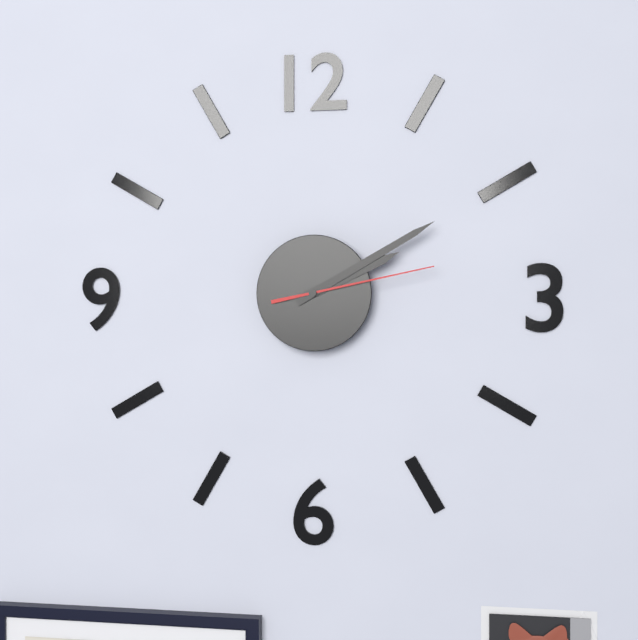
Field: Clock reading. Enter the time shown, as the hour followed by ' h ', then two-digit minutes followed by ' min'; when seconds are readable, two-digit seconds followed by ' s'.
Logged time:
2 h 10 min 13 s
